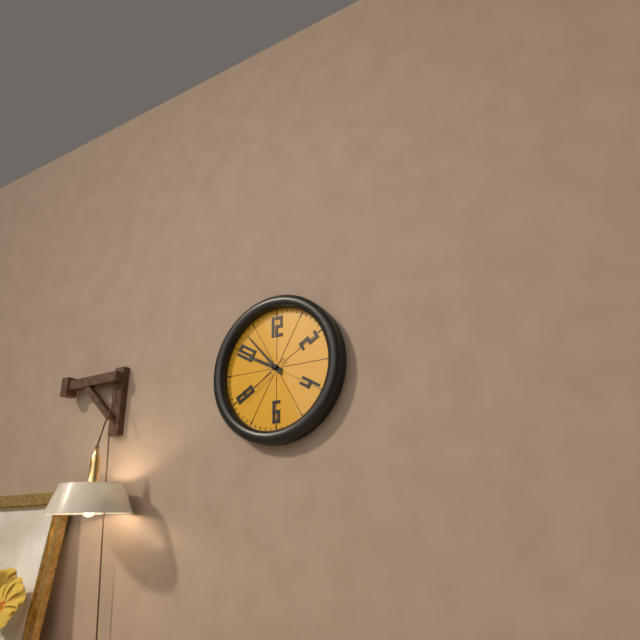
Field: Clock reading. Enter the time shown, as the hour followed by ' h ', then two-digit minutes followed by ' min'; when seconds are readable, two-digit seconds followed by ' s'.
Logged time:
9 h 53 min 39 s
